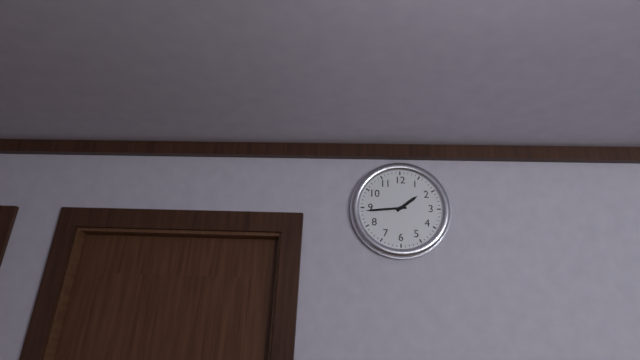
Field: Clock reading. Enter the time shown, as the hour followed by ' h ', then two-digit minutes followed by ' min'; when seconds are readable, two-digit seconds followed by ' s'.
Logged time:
1 h 44 min
